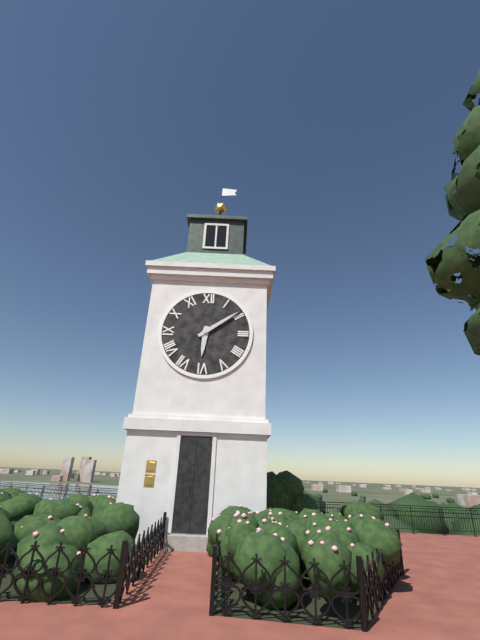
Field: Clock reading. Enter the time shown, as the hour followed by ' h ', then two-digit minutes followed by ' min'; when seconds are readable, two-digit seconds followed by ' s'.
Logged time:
6 h 09 min
